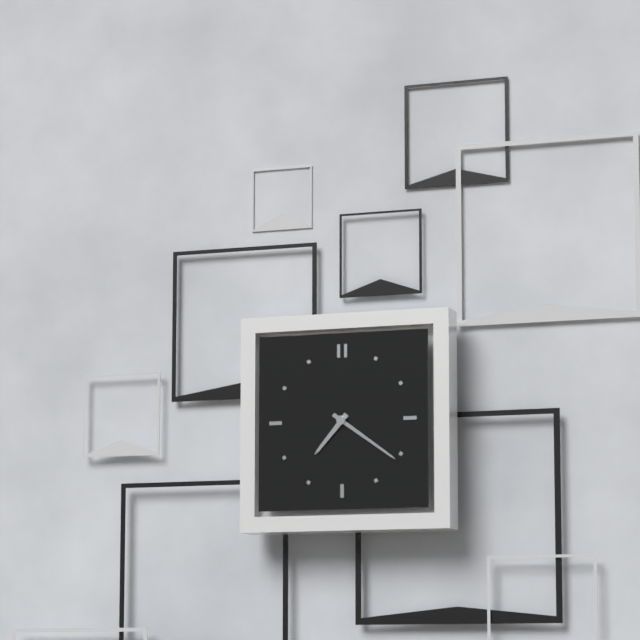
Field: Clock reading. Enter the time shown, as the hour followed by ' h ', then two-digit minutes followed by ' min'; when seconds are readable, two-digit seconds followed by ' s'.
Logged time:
7 h 21 min
